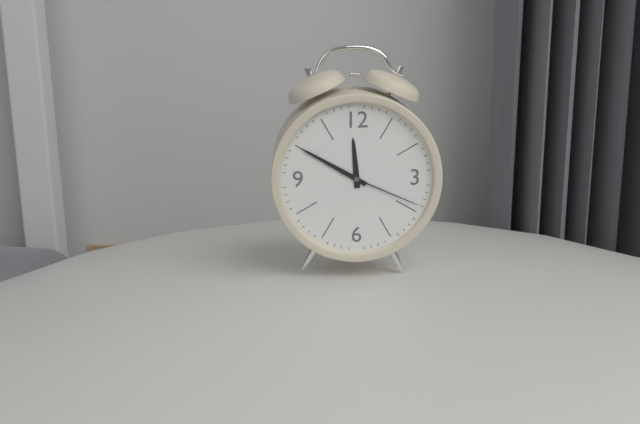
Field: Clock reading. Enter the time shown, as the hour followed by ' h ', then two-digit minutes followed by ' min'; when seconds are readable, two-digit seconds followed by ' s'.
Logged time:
11 h 50 min 19 s
